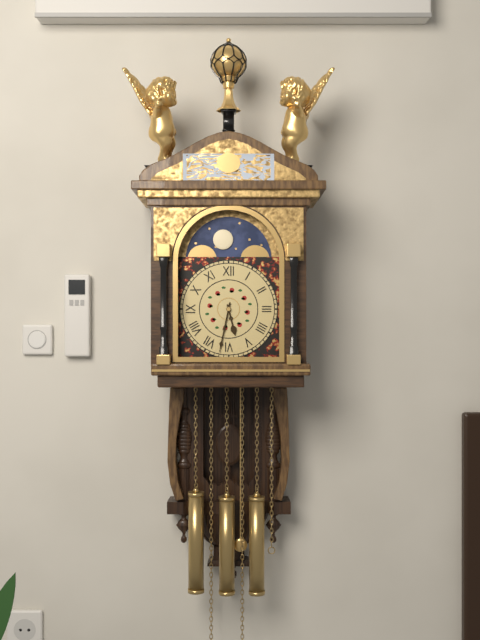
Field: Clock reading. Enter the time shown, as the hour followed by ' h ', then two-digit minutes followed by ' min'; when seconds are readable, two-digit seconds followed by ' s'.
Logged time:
5 h 32 min
